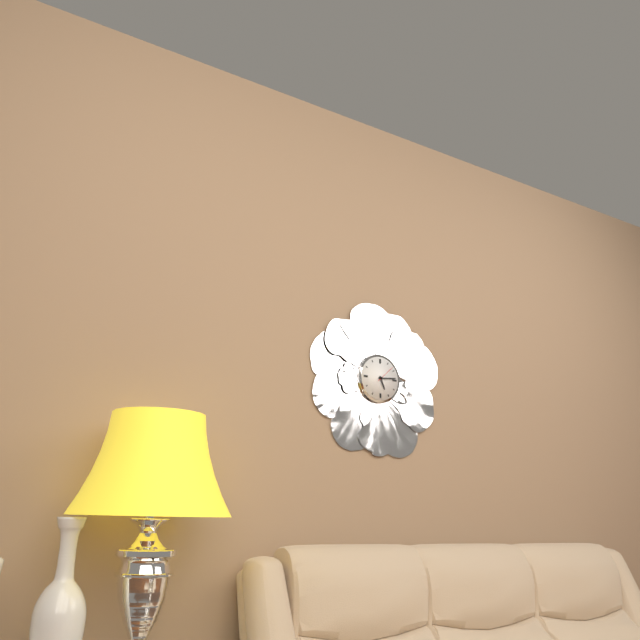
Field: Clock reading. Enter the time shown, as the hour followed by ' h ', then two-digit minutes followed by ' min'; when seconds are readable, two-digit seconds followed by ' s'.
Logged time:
5 h 14 min
